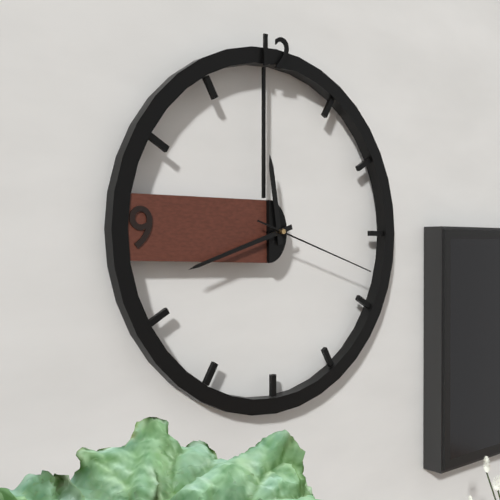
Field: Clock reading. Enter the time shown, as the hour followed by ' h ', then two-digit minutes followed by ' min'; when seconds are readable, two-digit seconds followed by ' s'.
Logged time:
11 h 42 min 18 s
